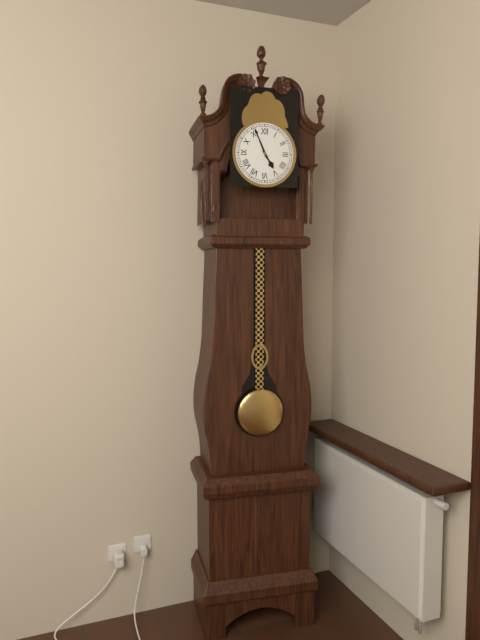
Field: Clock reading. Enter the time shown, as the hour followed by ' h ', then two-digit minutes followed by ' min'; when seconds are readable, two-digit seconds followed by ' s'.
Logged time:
4 h 56 min
